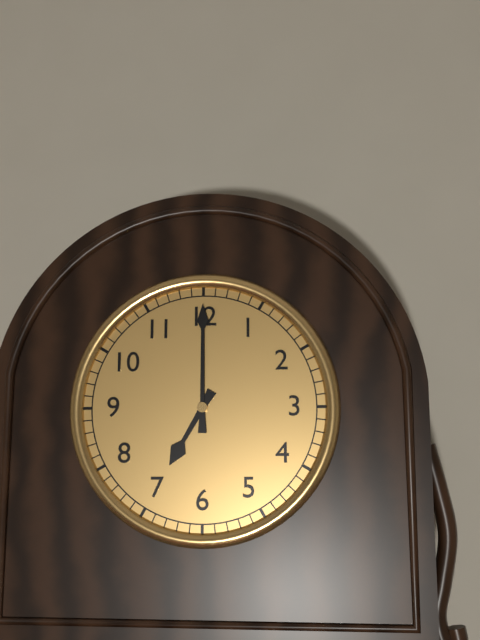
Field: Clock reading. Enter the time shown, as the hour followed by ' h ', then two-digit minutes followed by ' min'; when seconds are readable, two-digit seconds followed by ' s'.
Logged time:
7 h 00 min
